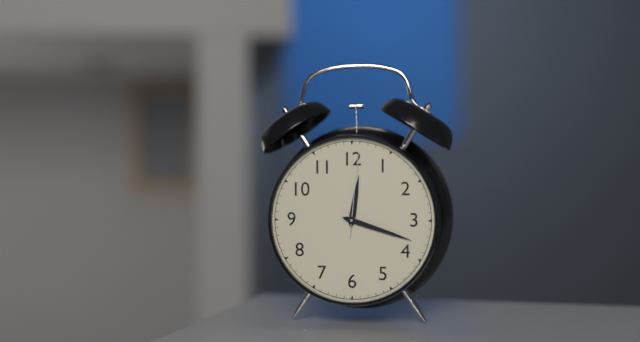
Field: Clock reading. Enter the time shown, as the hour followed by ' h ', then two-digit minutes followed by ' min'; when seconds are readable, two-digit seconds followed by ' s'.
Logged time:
12 h 18 min 01 s
